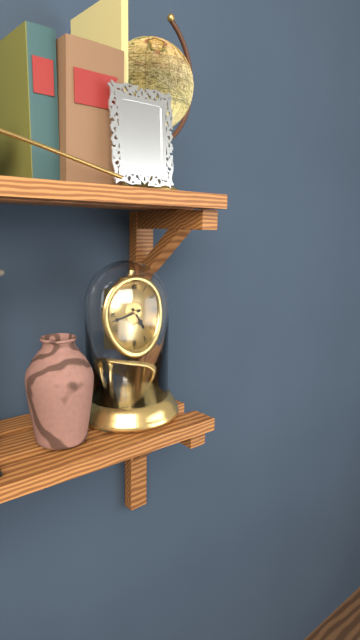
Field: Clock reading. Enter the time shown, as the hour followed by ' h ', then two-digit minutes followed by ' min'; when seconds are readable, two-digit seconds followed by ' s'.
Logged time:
4 h 43 min
